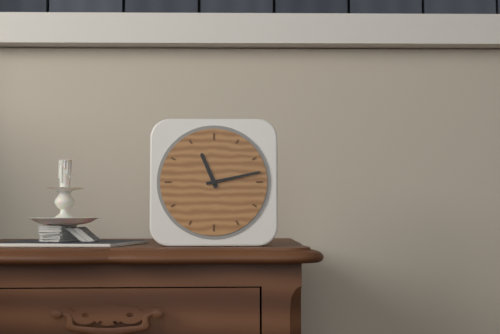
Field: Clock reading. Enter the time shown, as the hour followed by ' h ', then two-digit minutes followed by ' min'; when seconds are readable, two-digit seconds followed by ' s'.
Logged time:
11 h 13 min
